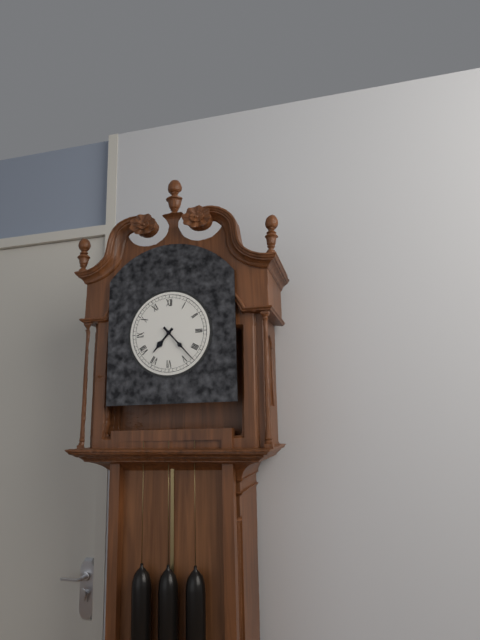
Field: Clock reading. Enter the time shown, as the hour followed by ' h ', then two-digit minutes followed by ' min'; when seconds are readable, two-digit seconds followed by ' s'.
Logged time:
7 h 23 min
